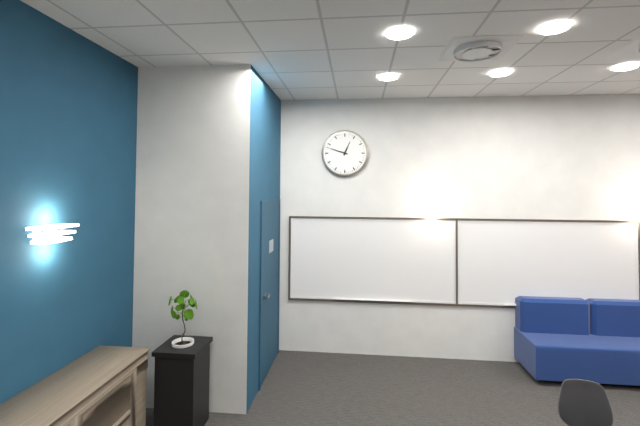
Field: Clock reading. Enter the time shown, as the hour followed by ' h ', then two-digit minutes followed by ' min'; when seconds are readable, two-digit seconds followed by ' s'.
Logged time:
12 h 48 min
